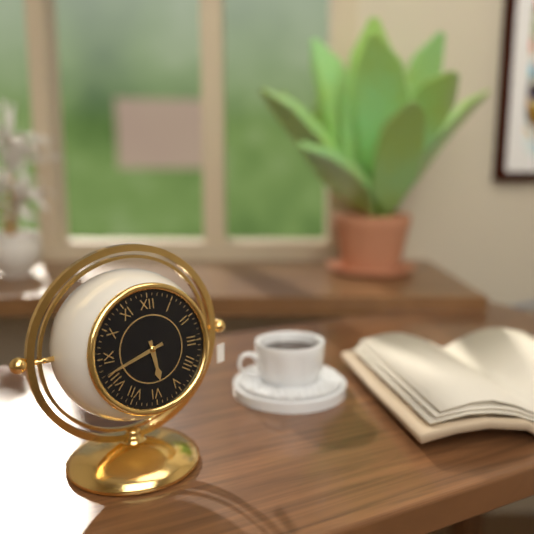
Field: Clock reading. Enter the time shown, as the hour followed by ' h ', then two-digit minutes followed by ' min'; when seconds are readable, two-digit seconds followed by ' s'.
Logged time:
5 h 42 min
